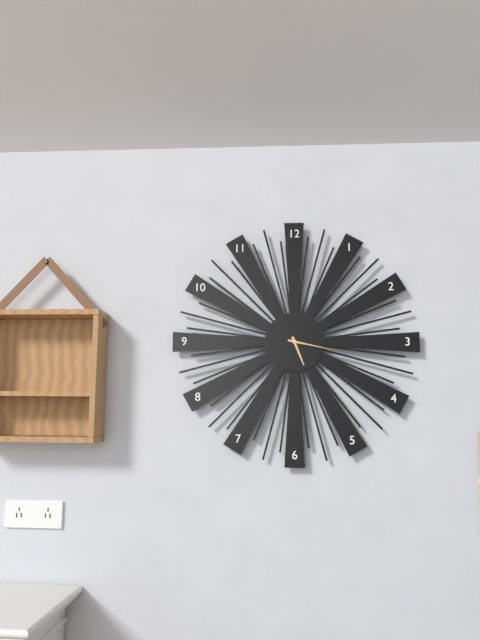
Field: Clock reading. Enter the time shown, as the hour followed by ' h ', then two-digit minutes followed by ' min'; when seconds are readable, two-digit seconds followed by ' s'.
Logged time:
5 h 17 min
